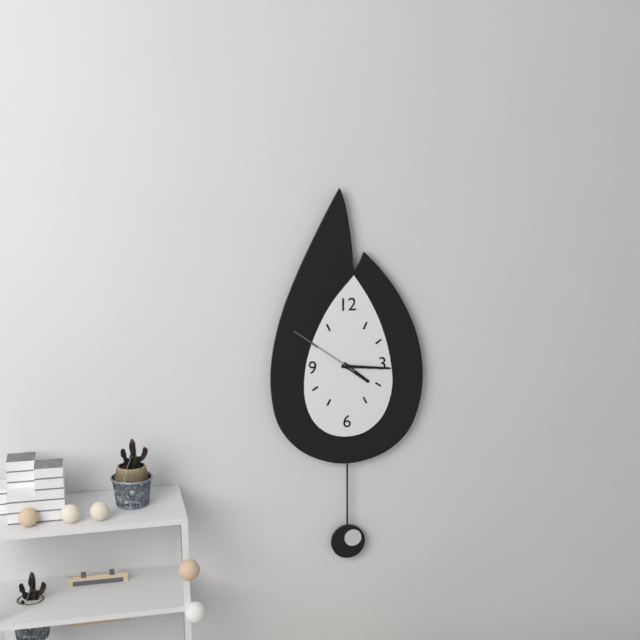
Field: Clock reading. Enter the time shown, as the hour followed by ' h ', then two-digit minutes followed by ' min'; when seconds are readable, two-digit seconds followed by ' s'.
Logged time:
4 h 16 min 51 s
